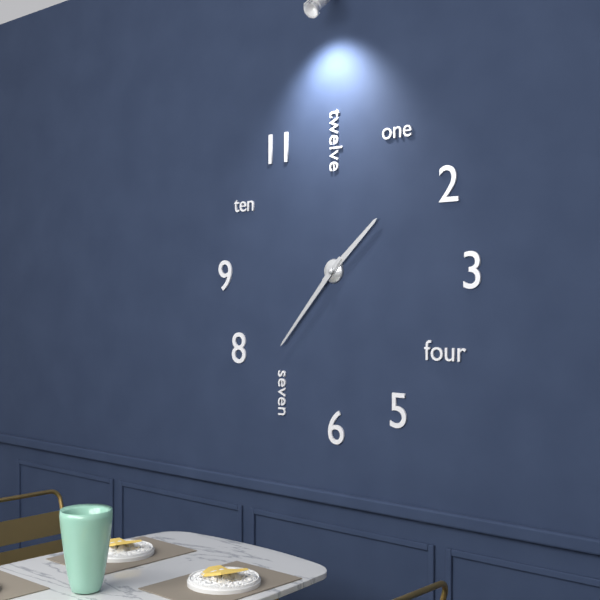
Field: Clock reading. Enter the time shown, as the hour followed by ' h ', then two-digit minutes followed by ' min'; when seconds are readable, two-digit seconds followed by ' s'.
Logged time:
1 h 37 min
